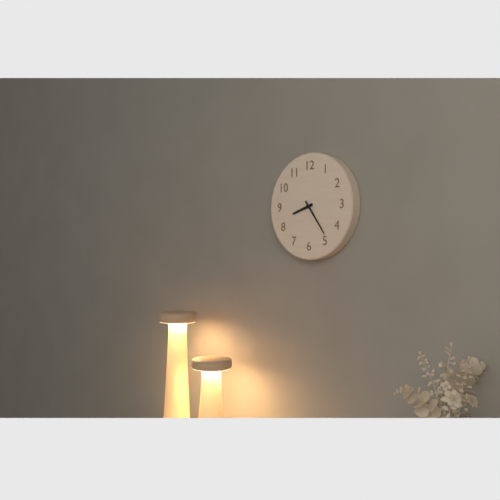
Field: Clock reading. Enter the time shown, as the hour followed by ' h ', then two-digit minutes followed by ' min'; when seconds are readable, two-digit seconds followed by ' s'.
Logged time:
8 h 24 min
